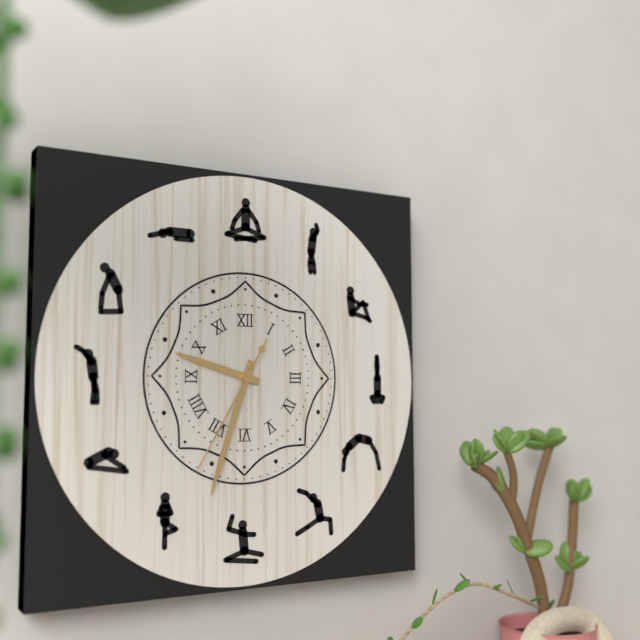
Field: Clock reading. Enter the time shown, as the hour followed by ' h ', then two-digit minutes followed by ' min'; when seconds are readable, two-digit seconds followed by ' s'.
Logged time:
9 h 33 min 35 s
